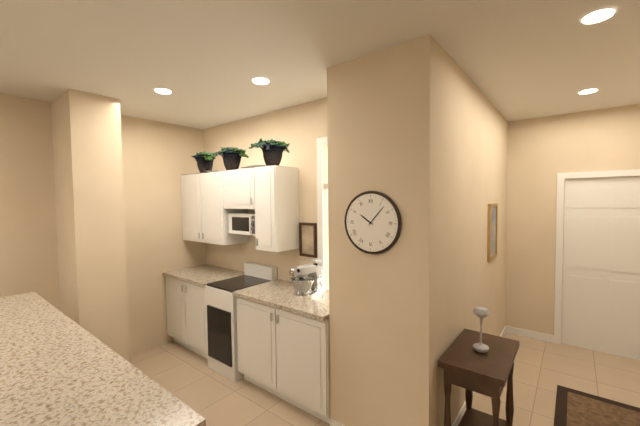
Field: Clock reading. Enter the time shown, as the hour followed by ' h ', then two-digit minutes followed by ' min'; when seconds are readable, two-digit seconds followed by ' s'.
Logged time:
10 h 07 min
